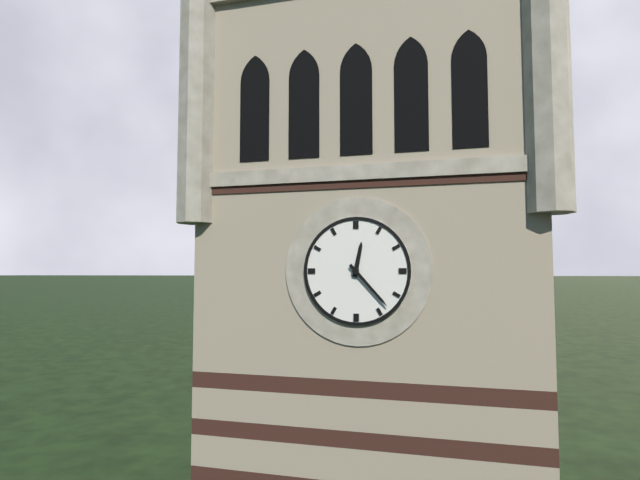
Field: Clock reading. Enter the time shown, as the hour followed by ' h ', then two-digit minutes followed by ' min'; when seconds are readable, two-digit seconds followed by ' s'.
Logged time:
12 h 23 min
